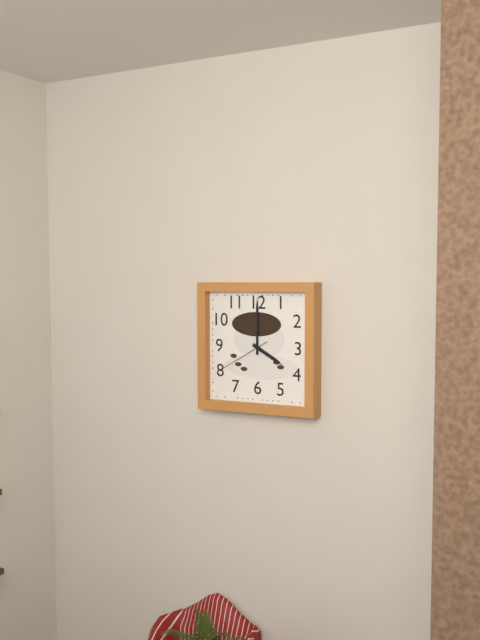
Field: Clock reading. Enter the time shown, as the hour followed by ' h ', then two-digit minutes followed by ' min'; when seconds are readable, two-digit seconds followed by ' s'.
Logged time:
4 h 00 min
